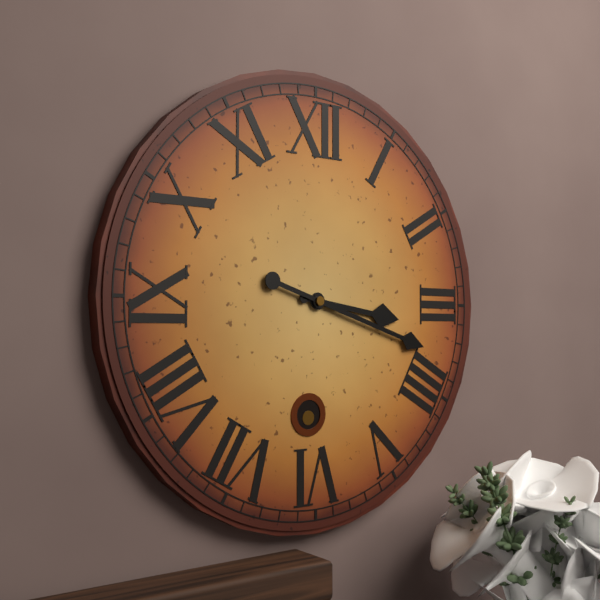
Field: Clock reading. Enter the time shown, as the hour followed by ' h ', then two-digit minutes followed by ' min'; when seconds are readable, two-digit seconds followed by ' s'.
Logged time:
3 h 18 min
